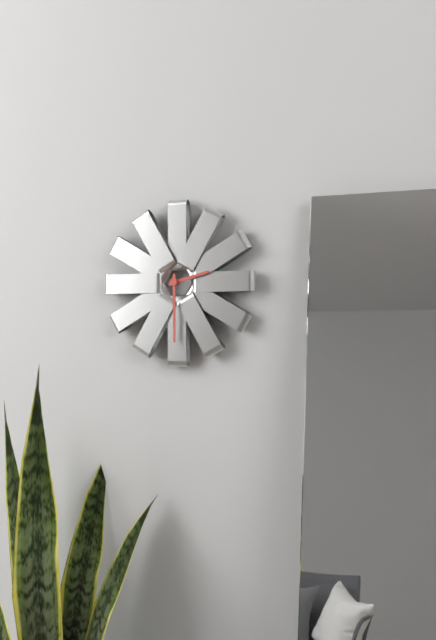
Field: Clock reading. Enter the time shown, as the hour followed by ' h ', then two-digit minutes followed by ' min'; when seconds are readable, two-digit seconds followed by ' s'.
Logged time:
2 h 30 min
